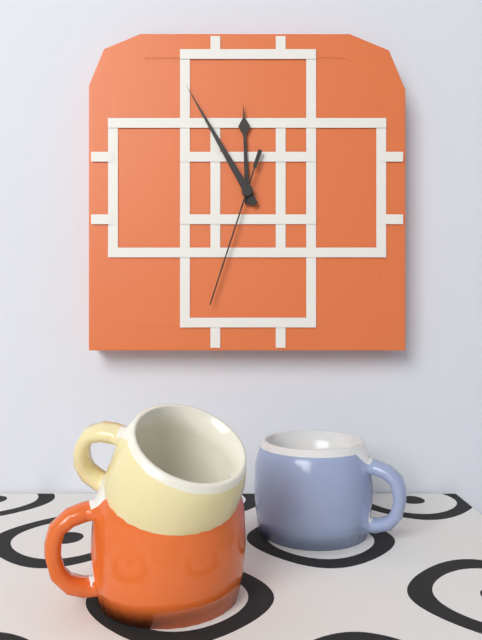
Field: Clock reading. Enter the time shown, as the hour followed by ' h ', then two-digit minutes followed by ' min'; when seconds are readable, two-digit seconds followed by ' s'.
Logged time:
11 h 55 min 33 s
